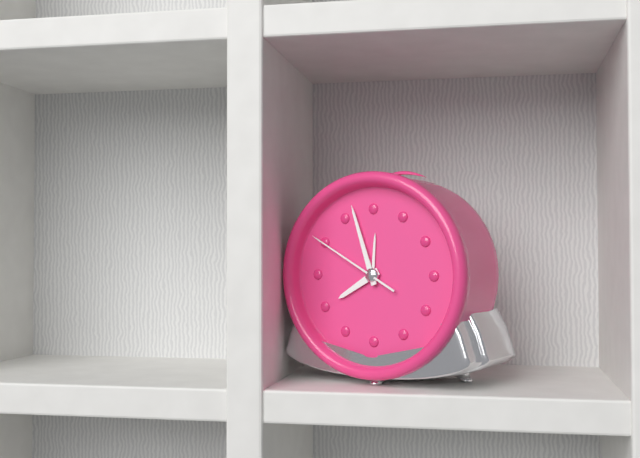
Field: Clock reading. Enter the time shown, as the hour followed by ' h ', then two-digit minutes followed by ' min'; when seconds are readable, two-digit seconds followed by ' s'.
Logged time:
7 h 57 min 50 s
